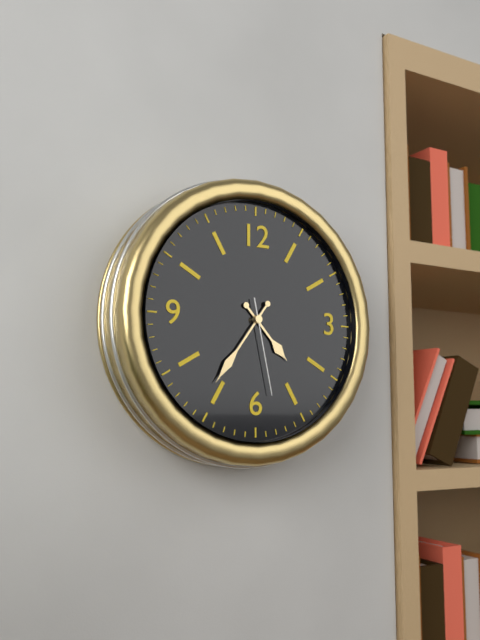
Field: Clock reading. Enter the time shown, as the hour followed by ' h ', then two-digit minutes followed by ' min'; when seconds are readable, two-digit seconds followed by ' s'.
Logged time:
4 h 36 min 28 s
